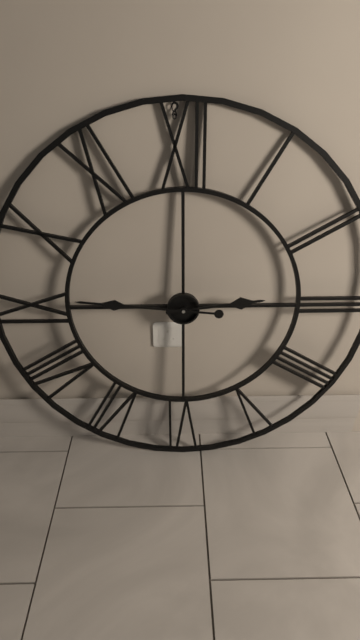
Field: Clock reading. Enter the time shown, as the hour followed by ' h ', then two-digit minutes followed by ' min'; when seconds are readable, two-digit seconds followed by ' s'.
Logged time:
2 h 46 min
